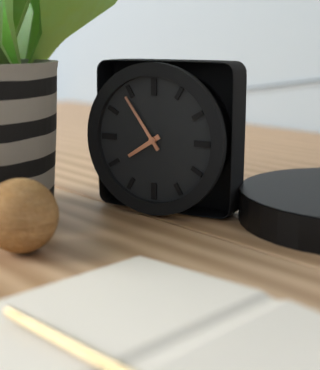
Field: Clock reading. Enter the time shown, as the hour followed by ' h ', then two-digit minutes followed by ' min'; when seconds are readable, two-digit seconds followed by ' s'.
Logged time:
7 h 54 min
